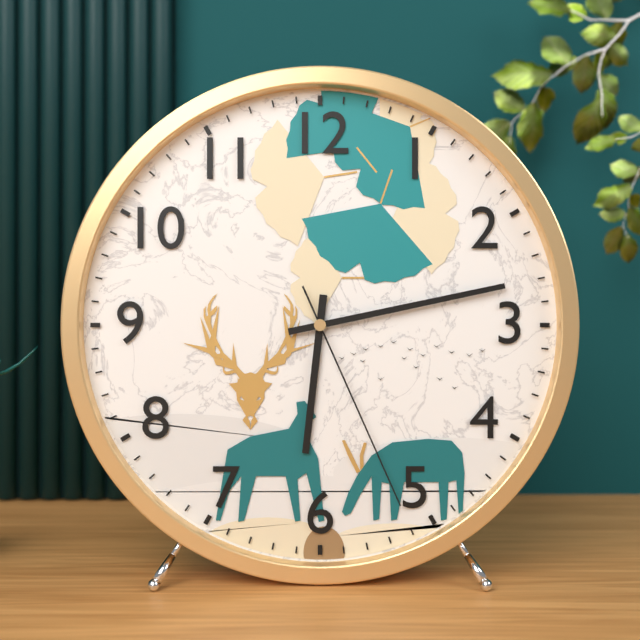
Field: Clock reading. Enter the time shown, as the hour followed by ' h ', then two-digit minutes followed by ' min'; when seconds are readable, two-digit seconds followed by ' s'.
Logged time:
6 h 13 min 26 s
